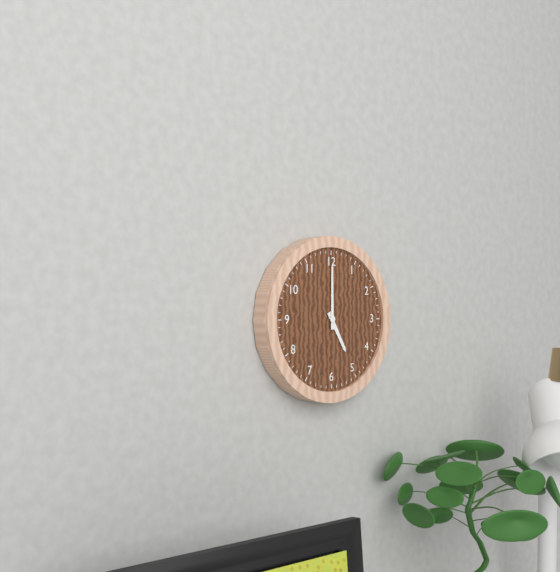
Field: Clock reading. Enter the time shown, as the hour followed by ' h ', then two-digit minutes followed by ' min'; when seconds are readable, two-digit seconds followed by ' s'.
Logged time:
5 h 00 min
